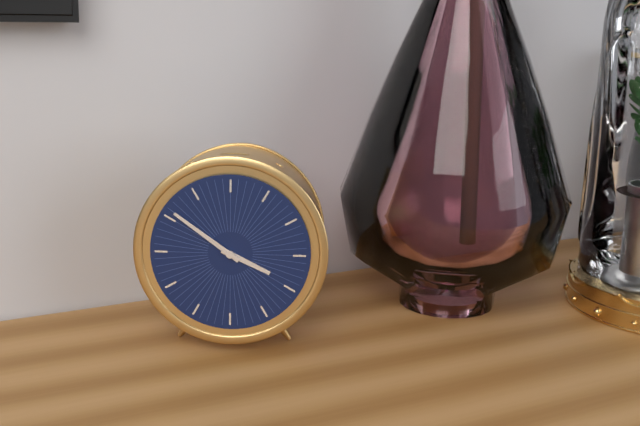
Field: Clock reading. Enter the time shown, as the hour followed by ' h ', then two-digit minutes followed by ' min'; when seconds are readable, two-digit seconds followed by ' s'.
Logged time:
3 h 51 min
